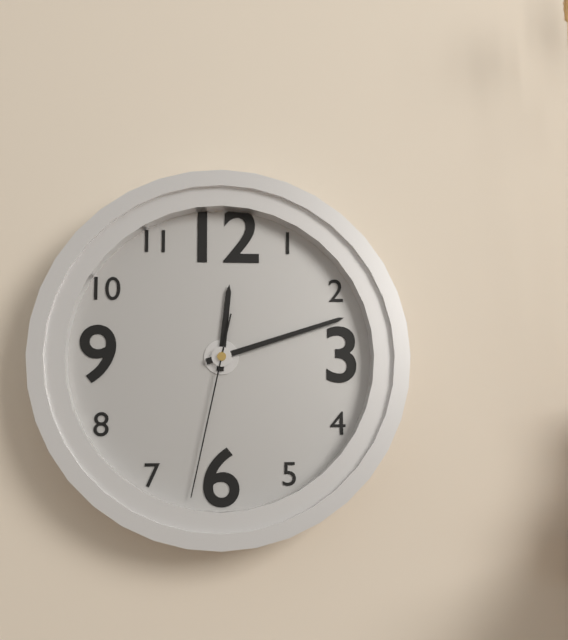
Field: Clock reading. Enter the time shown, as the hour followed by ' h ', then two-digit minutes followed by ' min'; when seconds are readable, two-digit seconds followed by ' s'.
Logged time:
12 h 12 min 32 s
